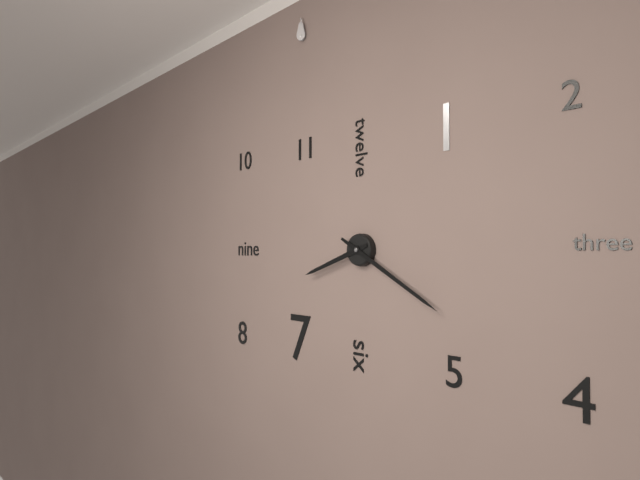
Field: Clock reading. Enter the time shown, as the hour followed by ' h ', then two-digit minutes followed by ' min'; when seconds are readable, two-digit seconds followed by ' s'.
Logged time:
8 h 20 min
